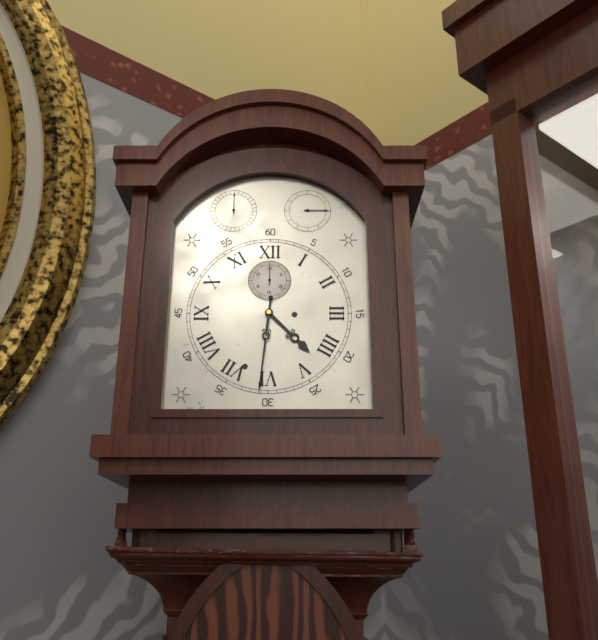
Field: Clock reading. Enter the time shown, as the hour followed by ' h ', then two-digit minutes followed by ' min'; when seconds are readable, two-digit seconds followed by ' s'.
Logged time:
4 h 31 min
